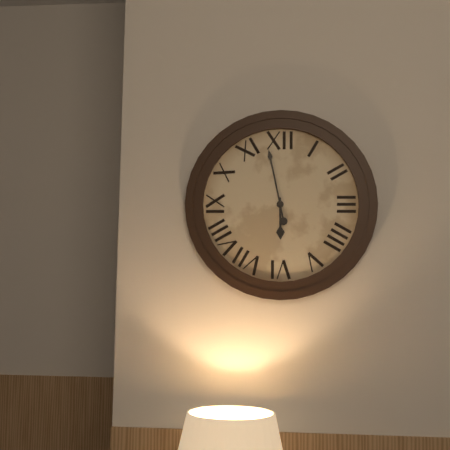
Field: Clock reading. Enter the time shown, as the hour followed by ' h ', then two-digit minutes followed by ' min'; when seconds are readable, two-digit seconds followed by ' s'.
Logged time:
5 h 58 min
